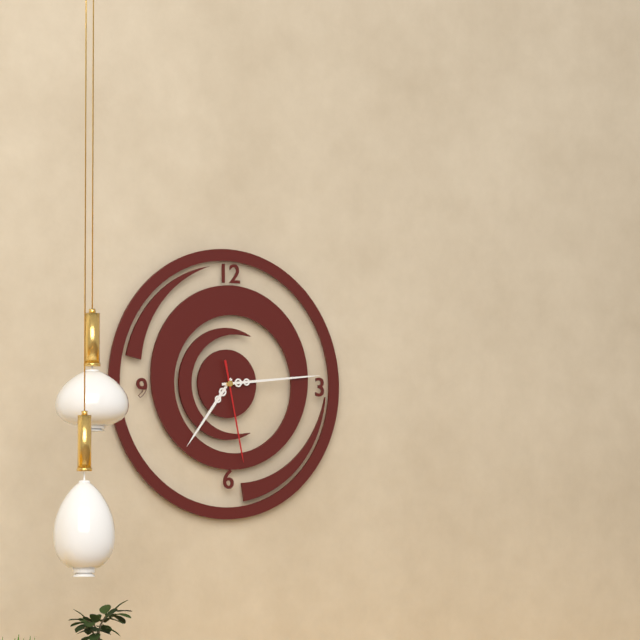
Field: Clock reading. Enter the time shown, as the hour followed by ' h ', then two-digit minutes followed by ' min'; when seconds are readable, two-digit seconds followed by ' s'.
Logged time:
7 h 14 min 28 s
